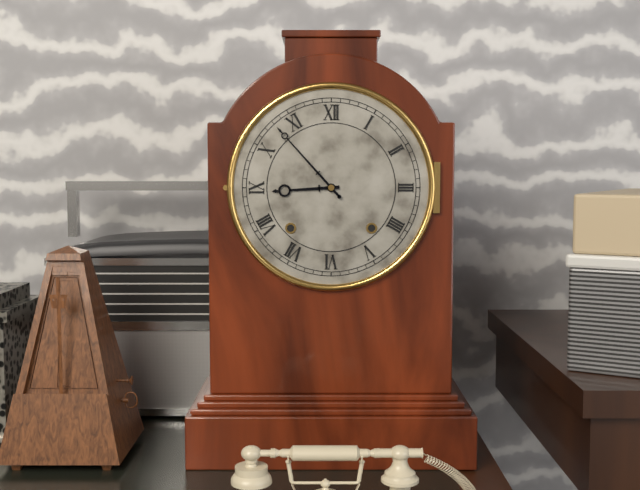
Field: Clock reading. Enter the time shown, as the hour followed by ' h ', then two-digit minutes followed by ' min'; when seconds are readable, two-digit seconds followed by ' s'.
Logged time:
8 h 53 min
